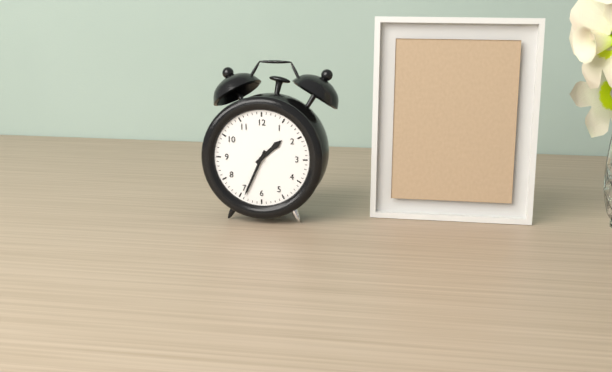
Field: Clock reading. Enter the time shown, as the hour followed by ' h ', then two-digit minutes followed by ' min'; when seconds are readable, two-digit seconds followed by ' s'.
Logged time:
1 h 34 min
